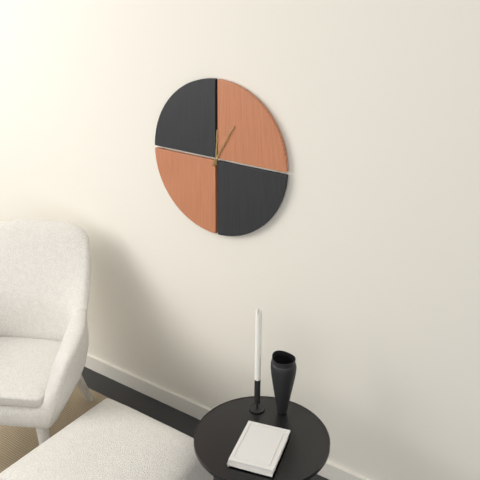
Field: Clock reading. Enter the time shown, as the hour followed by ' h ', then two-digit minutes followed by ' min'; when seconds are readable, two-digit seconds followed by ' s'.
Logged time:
12 h 05 min
